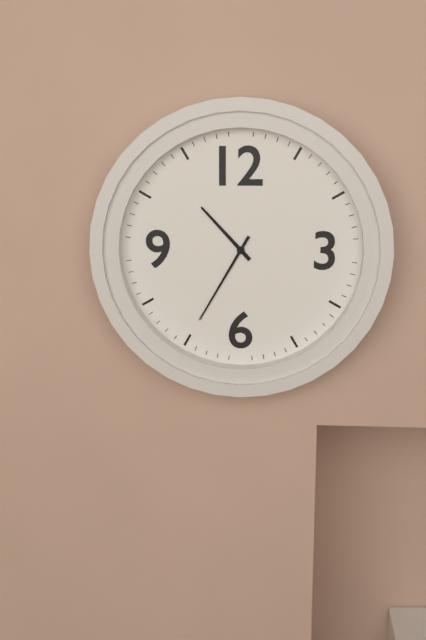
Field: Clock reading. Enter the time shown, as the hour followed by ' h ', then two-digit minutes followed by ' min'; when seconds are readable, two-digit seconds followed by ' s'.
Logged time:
10 h 35 min
